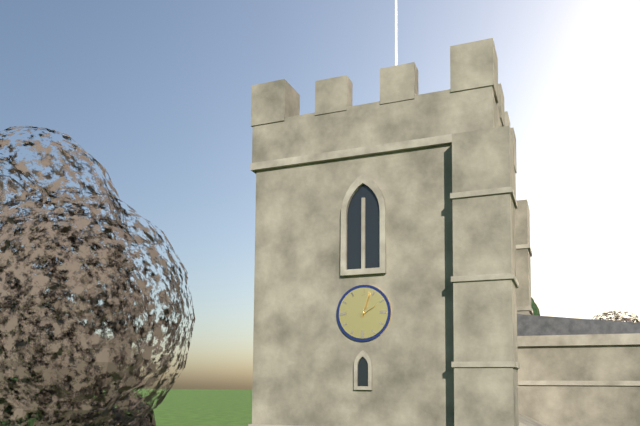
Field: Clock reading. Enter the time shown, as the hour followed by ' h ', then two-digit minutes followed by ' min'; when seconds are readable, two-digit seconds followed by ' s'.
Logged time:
2 h 03 min
